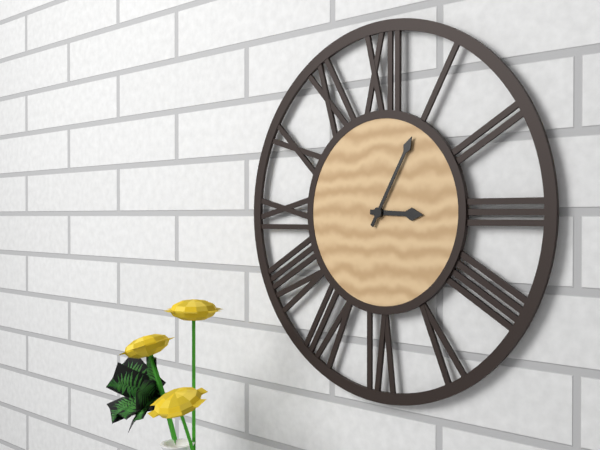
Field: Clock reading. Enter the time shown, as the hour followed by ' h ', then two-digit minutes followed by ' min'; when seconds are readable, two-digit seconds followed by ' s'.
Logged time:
3 h 05 min
